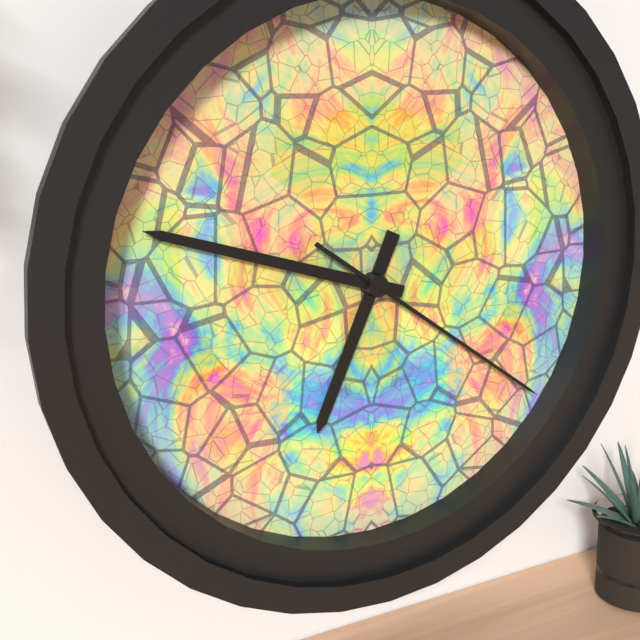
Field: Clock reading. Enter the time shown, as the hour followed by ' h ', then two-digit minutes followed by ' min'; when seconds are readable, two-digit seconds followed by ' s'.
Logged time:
6 h 48 min 21 s
